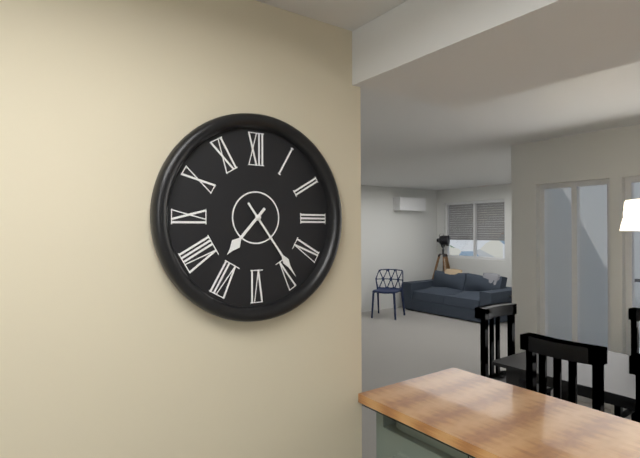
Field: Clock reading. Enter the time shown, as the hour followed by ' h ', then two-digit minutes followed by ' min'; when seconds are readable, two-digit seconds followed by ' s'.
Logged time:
7 h 24 min
